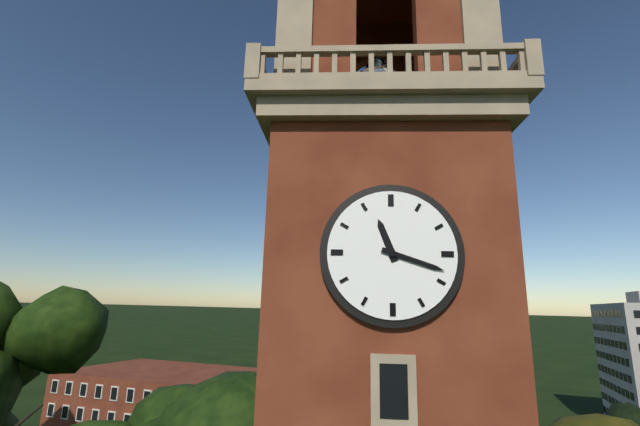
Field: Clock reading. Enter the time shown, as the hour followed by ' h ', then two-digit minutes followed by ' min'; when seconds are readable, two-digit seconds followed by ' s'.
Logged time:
11 h 18 min
